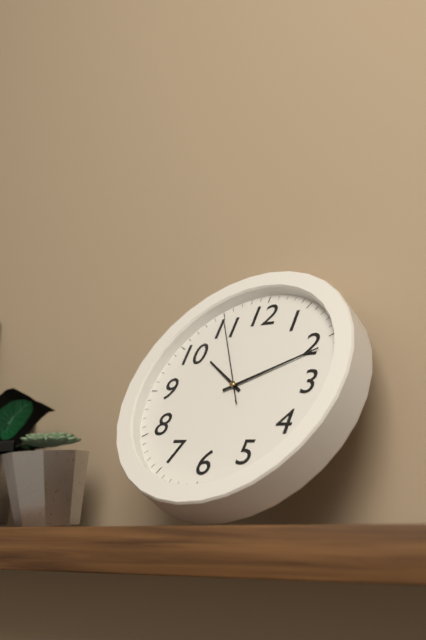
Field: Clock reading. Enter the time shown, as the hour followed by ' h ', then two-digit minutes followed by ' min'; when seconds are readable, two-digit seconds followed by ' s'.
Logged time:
10 h 11 min 55 s
